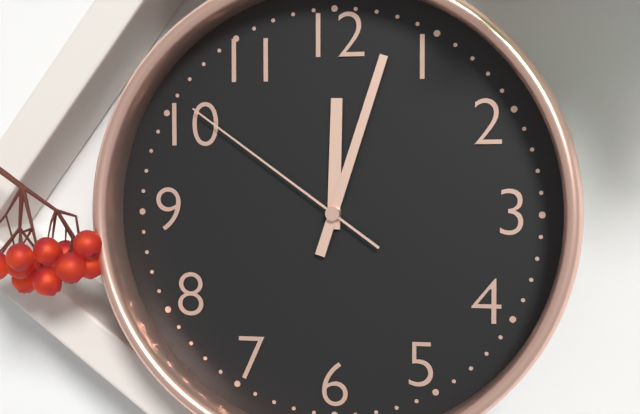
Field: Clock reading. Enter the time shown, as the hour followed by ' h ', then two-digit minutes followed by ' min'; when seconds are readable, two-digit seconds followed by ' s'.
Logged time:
12 h 03 min 51 s
